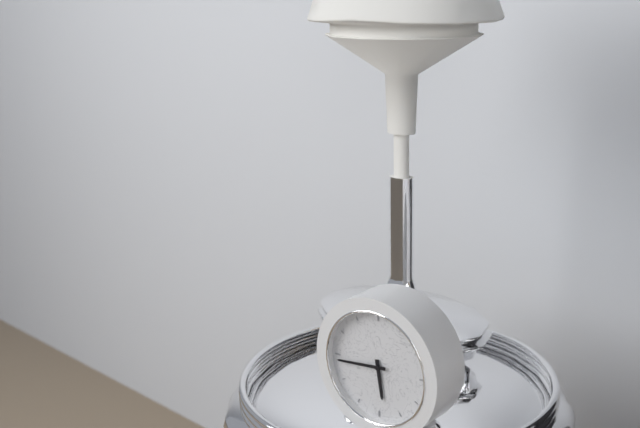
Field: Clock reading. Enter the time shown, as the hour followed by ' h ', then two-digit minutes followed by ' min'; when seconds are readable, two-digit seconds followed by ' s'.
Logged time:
5 h 44 min
